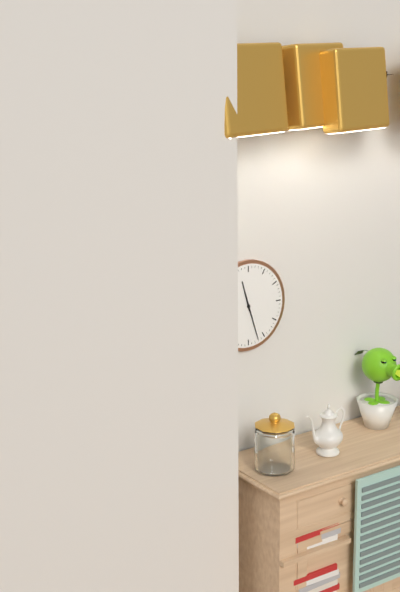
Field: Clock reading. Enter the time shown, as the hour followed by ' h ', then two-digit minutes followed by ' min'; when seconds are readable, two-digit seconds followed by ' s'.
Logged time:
11 h 27 min
